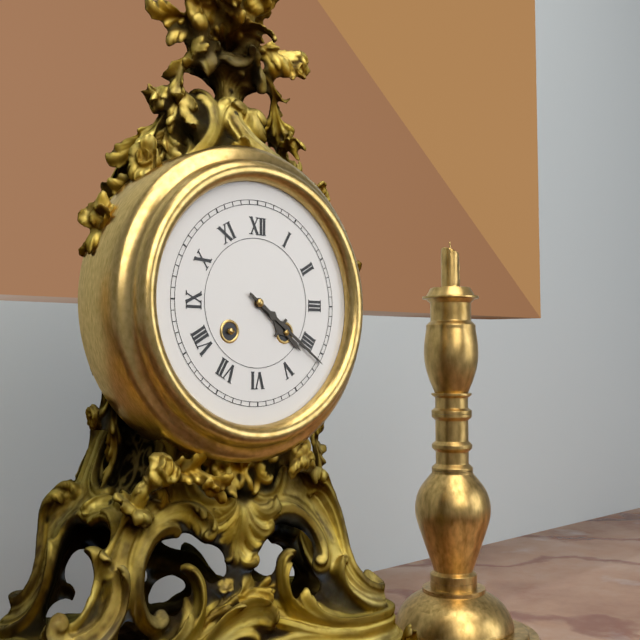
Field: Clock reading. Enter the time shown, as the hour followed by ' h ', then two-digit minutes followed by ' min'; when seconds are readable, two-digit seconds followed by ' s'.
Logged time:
4 h 21 min
